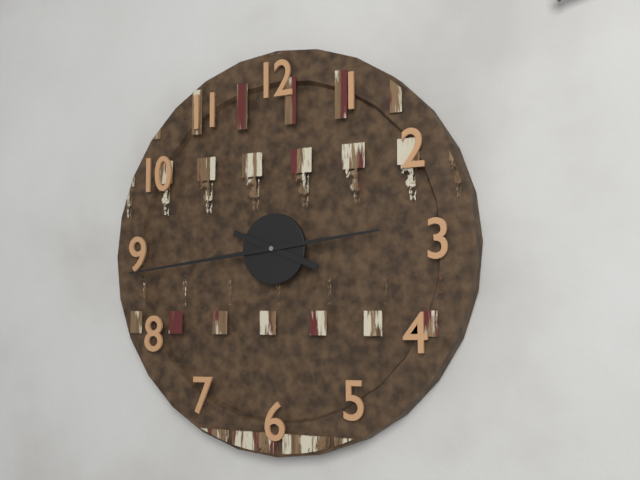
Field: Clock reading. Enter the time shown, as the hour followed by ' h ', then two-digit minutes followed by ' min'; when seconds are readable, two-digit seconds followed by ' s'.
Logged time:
3 h 44 min
